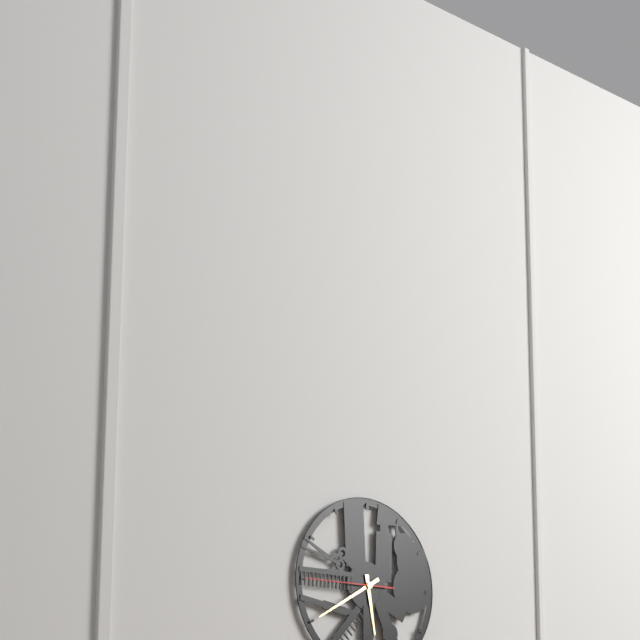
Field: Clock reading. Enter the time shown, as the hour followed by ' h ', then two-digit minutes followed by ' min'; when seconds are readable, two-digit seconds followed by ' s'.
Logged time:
5 h 40 min 45 s
